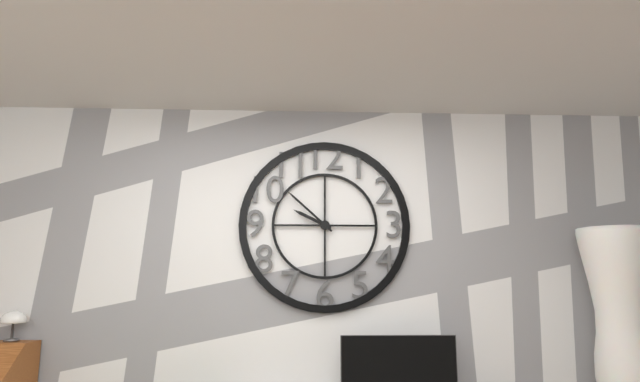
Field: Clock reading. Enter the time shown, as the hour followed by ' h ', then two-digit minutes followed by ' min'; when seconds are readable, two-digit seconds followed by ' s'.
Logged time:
9 h 52 min
